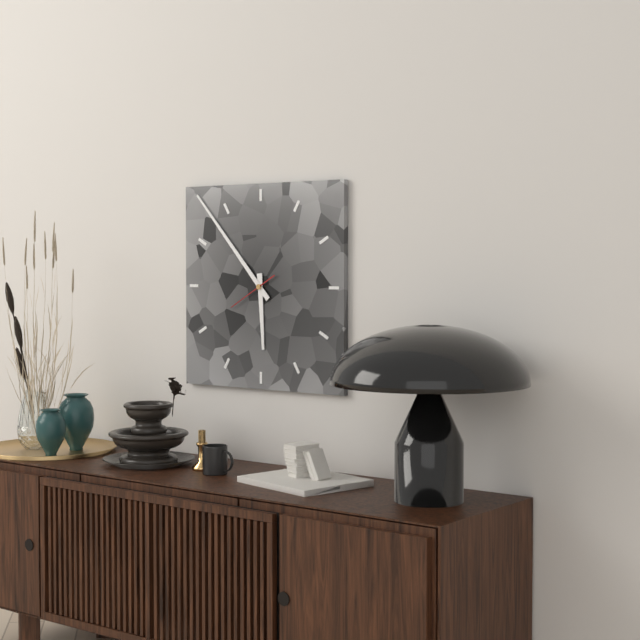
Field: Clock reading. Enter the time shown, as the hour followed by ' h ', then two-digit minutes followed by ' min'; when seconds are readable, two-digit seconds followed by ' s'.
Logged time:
5 h 53 min 40 s
